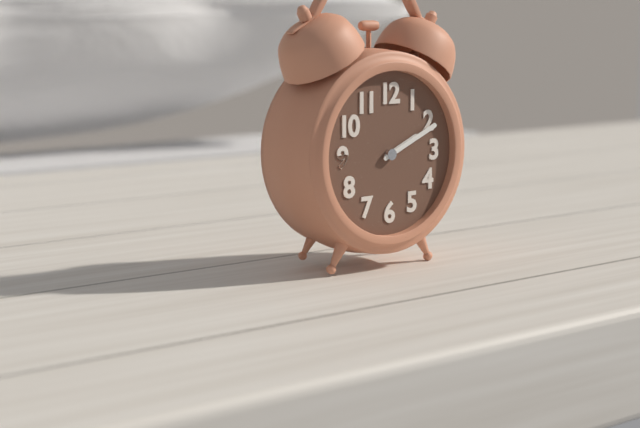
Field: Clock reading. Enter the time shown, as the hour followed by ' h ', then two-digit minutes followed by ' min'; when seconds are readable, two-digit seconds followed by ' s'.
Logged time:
2 h 11 min
